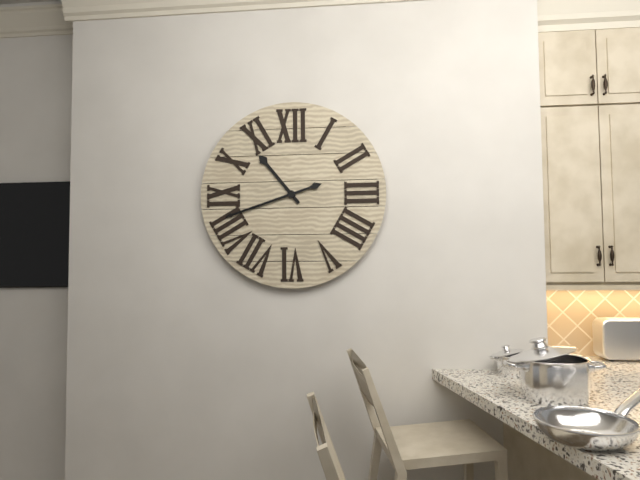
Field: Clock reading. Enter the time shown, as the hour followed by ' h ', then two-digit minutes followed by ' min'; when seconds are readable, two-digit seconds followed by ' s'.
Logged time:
10 h 42 min
